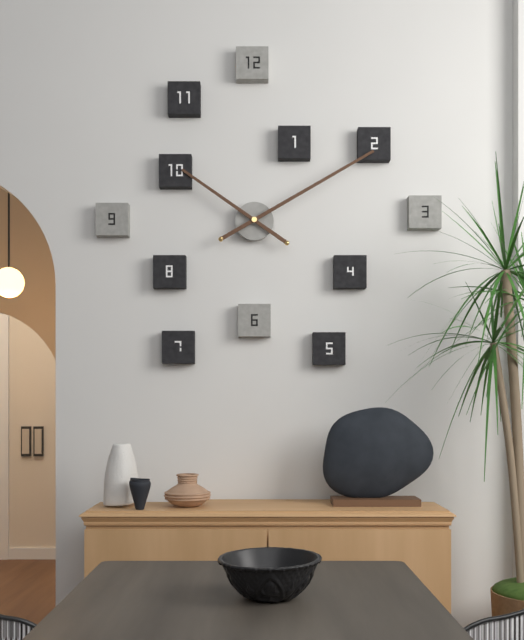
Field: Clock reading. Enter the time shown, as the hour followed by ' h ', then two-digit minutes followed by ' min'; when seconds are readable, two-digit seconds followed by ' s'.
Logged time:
10 h 10 min
